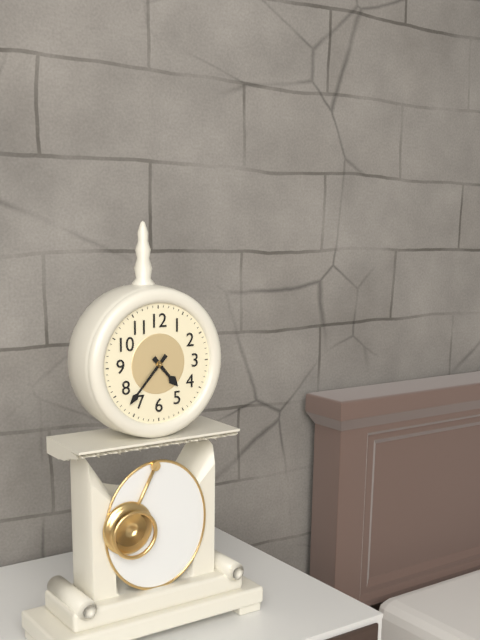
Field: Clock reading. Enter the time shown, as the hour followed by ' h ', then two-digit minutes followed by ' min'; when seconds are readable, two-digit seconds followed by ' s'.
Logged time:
4 h 37 min
